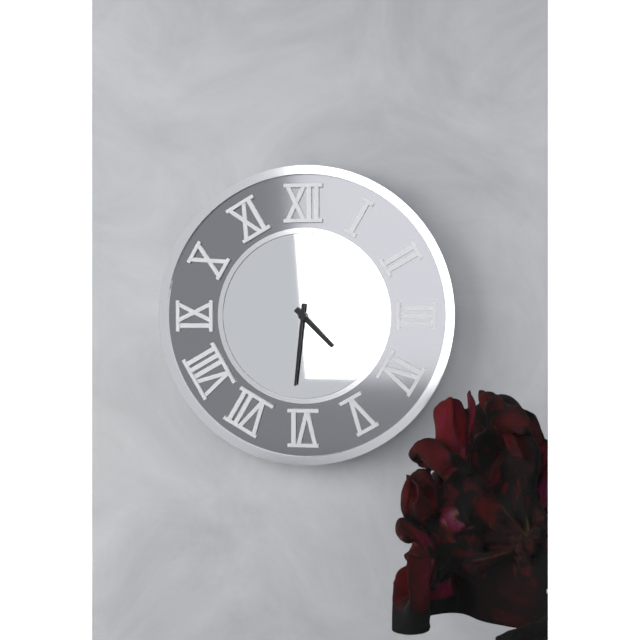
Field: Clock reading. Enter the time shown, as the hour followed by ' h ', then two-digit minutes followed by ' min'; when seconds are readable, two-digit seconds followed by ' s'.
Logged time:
4 h 31 min
